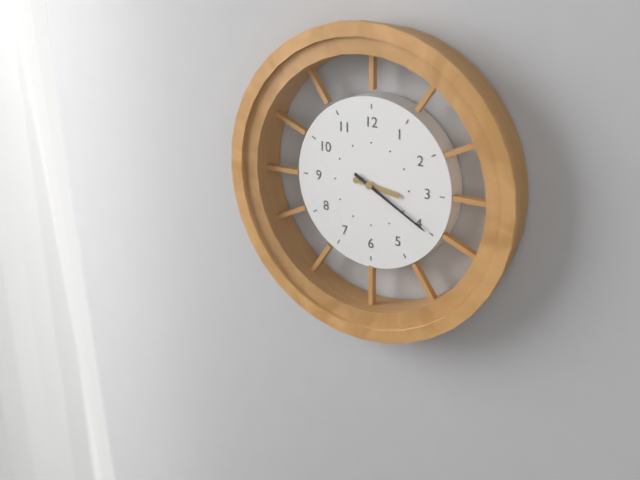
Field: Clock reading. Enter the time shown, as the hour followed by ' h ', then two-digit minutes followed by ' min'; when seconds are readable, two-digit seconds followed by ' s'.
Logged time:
3 h 20 min
